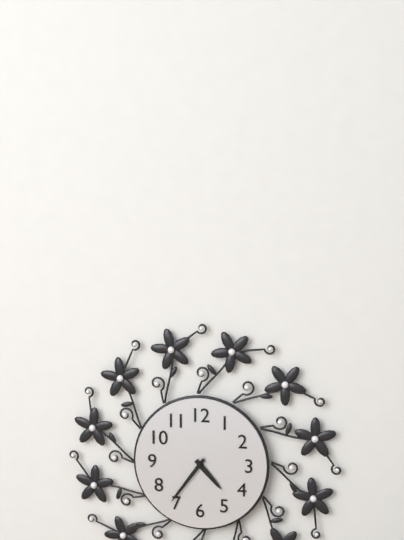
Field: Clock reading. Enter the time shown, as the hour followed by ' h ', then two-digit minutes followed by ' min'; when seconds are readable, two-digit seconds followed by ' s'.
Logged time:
4 h 36 min
